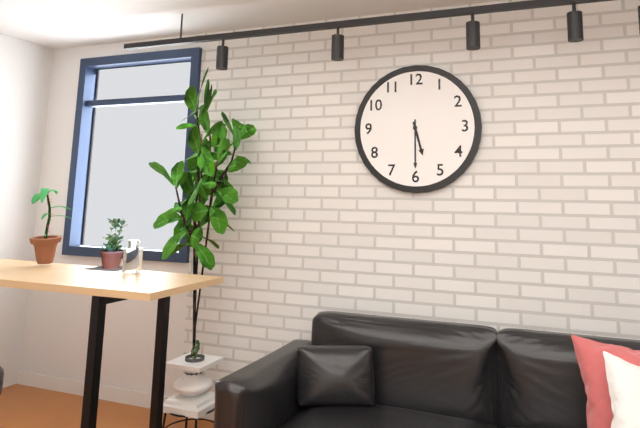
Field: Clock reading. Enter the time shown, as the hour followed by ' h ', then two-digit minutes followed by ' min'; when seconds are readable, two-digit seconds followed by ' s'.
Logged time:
5 h 30 min
